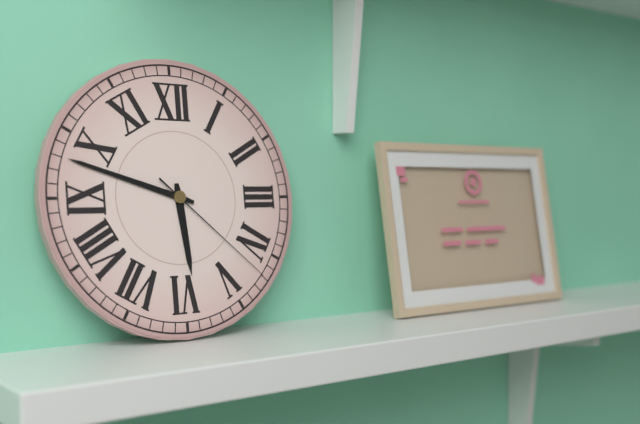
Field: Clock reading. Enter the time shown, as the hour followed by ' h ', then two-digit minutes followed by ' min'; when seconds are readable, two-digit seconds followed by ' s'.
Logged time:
5 h 48 min 22 s
